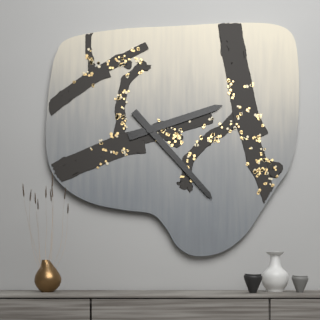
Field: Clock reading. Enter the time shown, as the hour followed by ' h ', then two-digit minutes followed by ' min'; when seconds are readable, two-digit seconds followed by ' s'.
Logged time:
2 h 23 min
